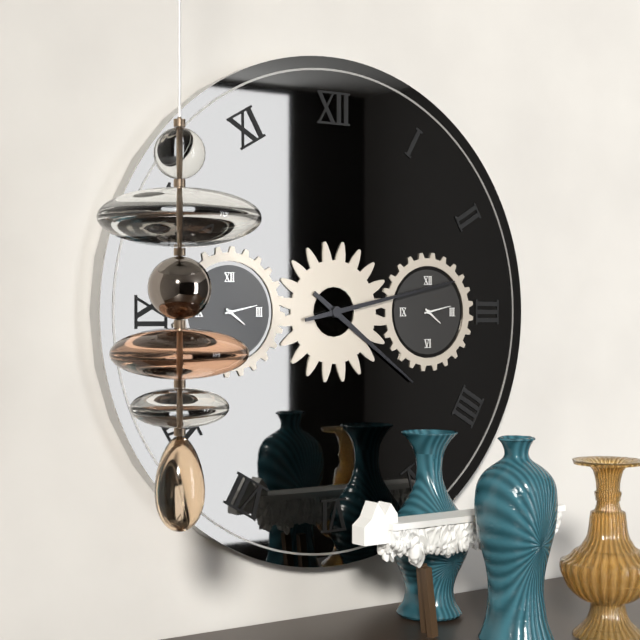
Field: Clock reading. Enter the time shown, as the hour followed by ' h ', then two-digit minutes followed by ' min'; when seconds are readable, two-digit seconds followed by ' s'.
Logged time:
4 h 13 min
